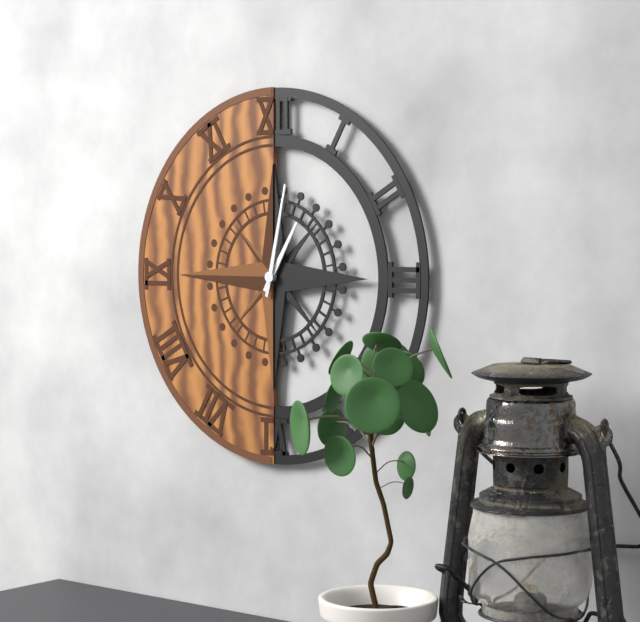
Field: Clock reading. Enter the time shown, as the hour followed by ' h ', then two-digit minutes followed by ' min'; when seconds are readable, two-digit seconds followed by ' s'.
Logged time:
1 h 02 min
